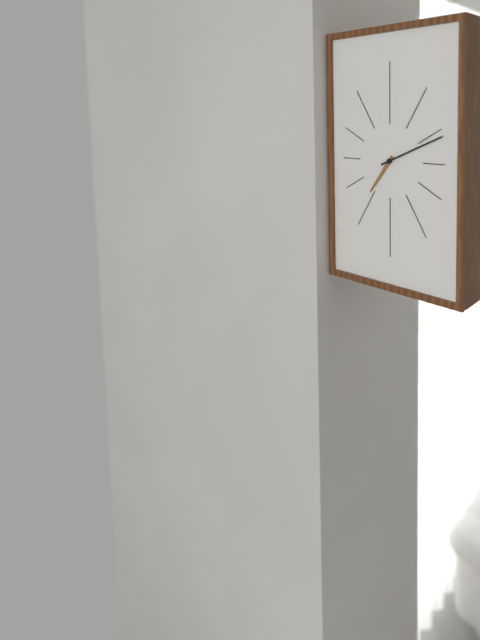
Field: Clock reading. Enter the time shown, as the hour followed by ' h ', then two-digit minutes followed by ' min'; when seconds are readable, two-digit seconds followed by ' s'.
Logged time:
7 h 11 min
